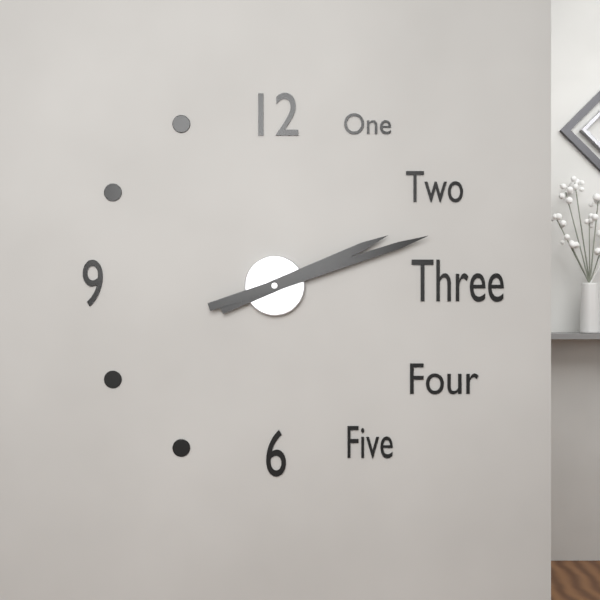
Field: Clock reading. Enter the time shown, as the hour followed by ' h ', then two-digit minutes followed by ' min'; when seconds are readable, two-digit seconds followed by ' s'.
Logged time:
2 h 12 min
